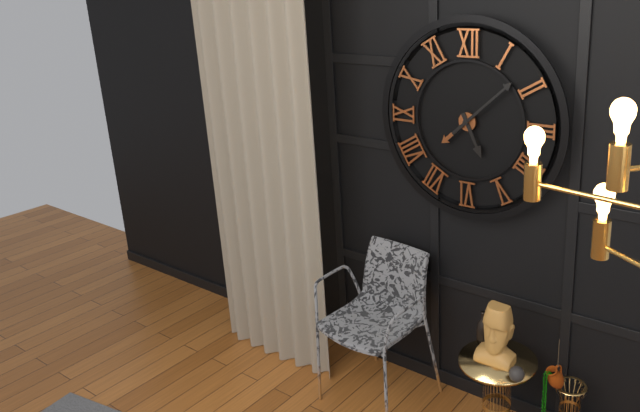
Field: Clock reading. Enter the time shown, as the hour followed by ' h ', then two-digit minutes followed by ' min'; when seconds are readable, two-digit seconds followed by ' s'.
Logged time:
5 h 08 min
